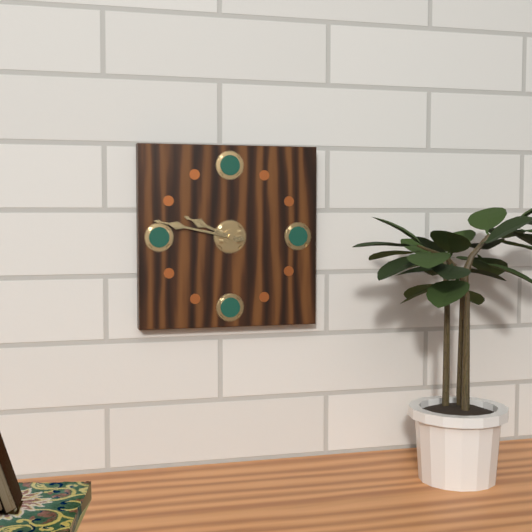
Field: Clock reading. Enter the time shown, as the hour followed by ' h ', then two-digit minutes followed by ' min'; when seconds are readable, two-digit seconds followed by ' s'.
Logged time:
9 h 47 min
